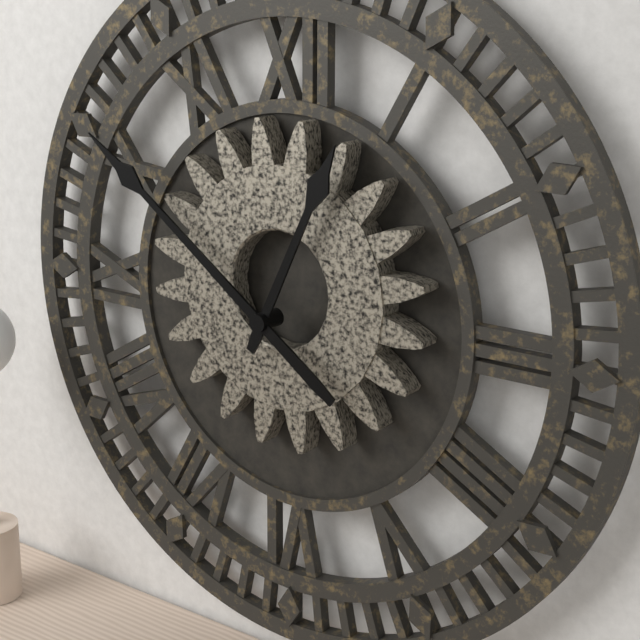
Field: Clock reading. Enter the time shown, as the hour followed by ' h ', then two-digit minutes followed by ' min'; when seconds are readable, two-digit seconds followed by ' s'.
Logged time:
12 h 51 min
